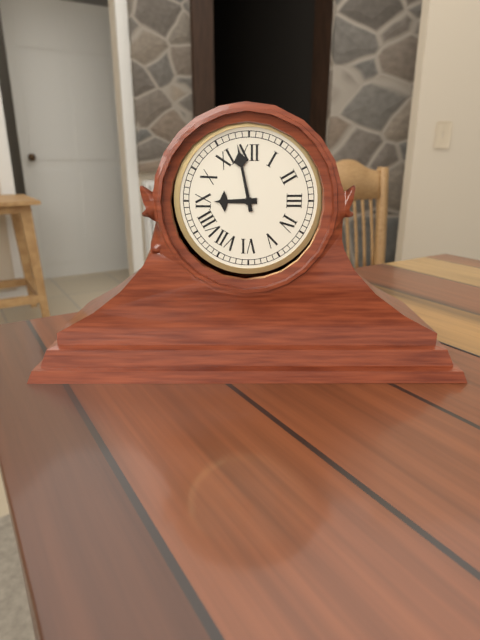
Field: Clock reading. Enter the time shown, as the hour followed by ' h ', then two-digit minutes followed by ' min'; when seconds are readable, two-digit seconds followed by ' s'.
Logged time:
8 h 58 min
